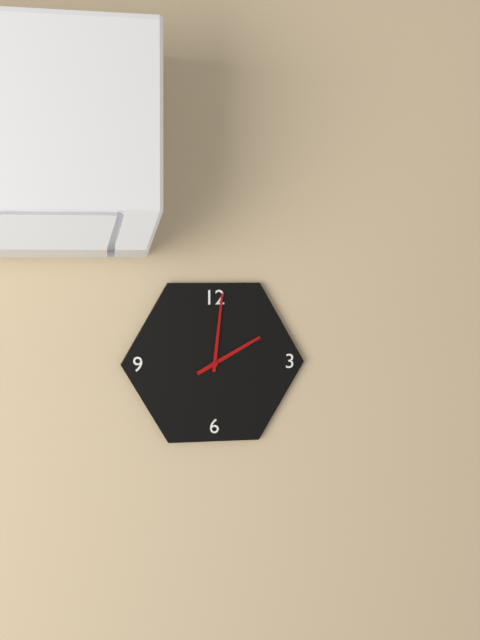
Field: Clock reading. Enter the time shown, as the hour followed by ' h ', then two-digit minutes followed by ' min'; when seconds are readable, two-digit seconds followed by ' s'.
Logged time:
2 h 01 min
